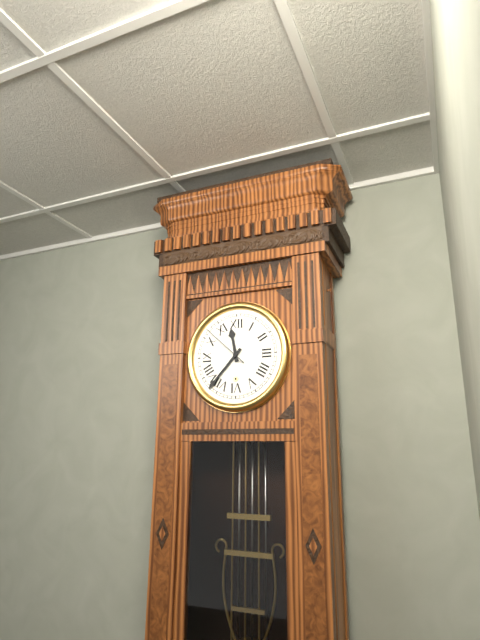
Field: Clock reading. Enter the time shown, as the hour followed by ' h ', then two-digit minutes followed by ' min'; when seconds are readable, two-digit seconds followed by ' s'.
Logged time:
11 h 37 min 52 s
